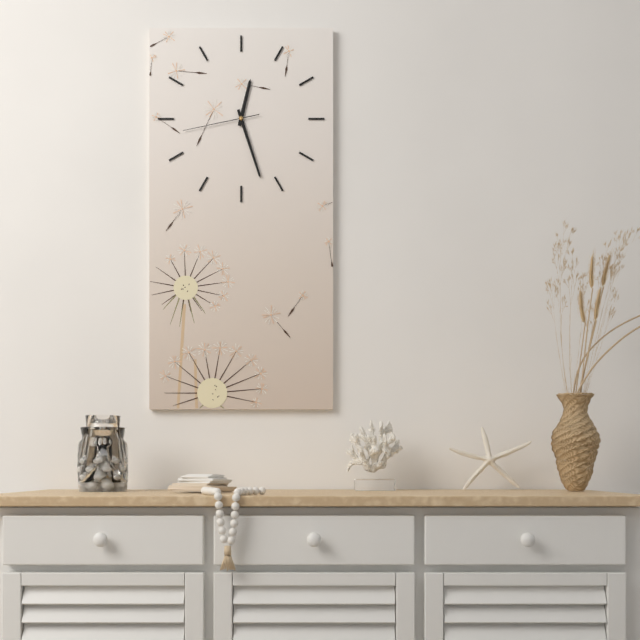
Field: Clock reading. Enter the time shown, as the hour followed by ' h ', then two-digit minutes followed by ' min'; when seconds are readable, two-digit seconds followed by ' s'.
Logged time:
12 h 27 min 43 s
